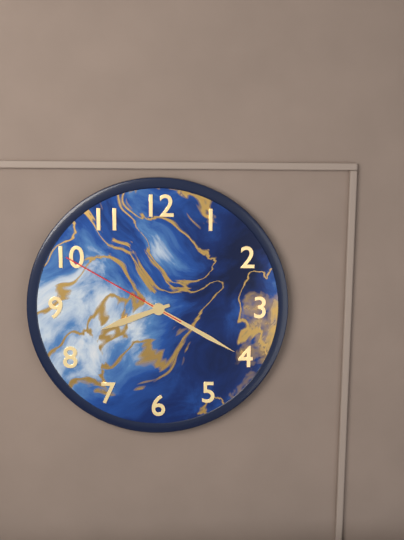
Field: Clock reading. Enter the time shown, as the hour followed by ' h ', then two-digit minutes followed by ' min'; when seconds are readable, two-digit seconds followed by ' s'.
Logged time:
8 h 20 min 50 s
